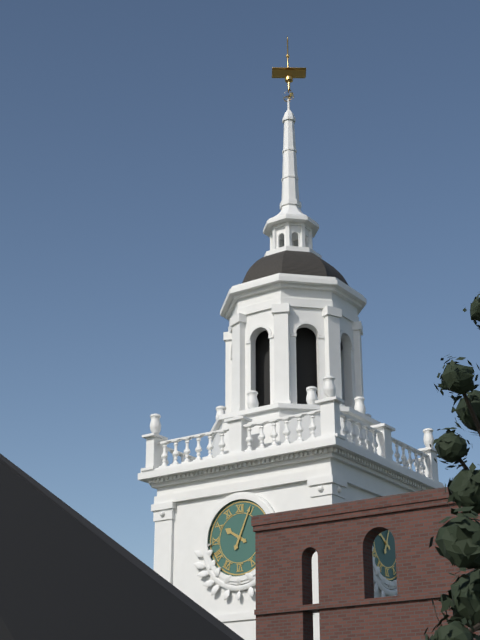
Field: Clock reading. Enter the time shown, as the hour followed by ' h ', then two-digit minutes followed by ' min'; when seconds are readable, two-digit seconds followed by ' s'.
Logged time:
10 h 04 min
